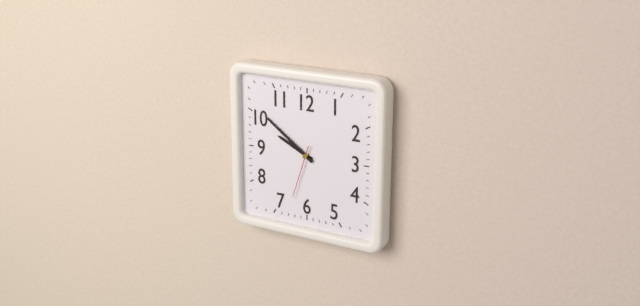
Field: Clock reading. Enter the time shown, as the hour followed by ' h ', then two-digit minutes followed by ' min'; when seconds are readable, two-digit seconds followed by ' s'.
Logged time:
9 h 51 min 33 s
